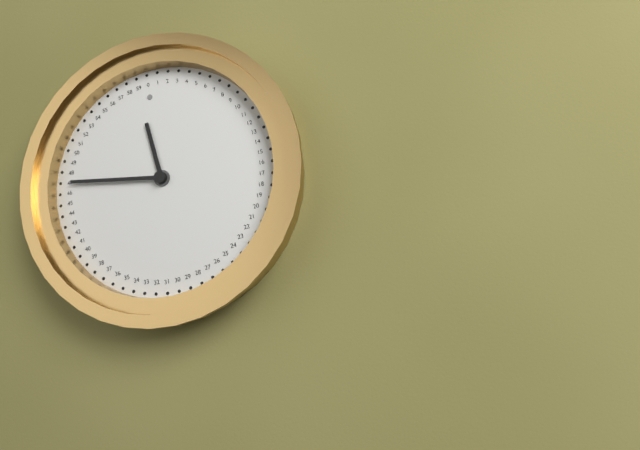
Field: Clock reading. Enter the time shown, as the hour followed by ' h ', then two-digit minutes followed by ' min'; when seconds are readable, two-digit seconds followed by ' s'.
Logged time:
11 h 47 min
